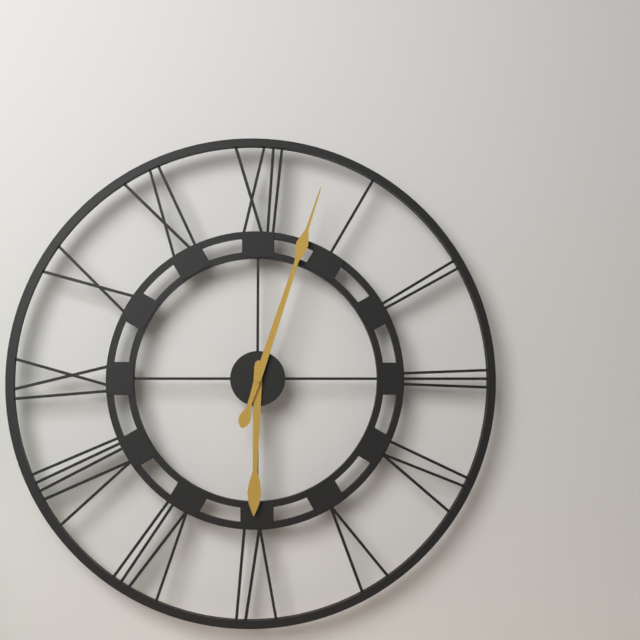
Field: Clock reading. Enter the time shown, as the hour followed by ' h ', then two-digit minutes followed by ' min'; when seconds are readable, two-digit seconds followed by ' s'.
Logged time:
6 h 03 min
